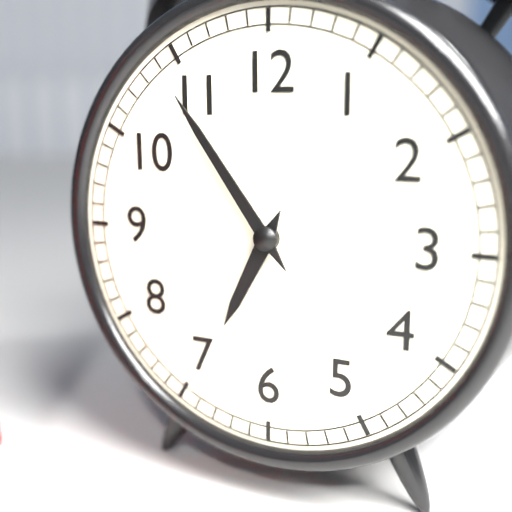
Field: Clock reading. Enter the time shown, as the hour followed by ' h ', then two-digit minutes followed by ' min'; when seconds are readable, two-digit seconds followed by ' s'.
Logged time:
6 h 54 min
